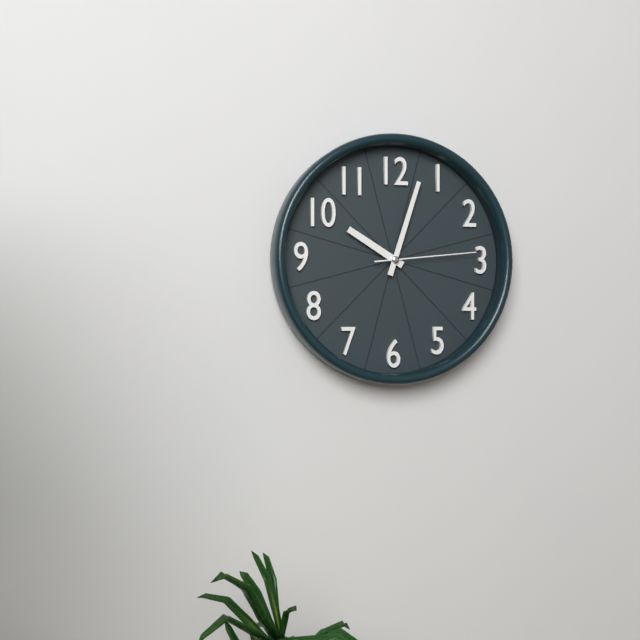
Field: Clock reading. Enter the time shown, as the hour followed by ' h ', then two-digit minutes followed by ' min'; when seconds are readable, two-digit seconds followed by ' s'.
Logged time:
10 h 03 min 14 s
